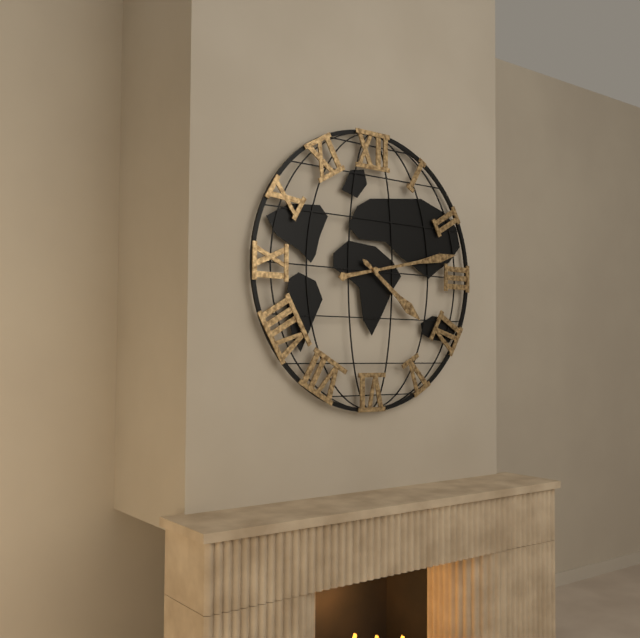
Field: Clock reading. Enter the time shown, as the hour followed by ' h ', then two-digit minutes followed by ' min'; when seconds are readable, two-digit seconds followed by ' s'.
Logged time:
4 h 13 min
